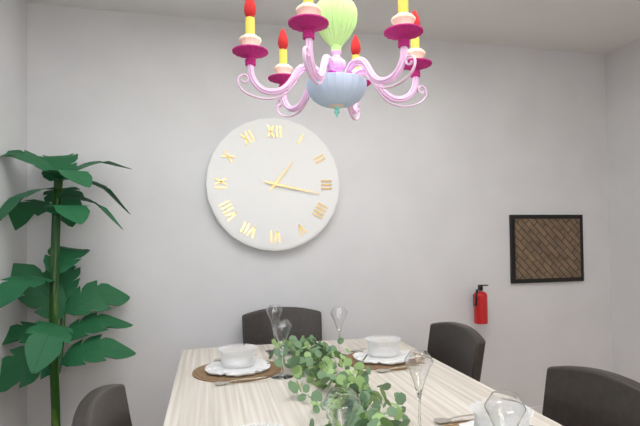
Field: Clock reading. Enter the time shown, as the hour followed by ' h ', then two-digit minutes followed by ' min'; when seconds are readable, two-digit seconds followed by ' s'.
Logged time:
1 h 17 min
